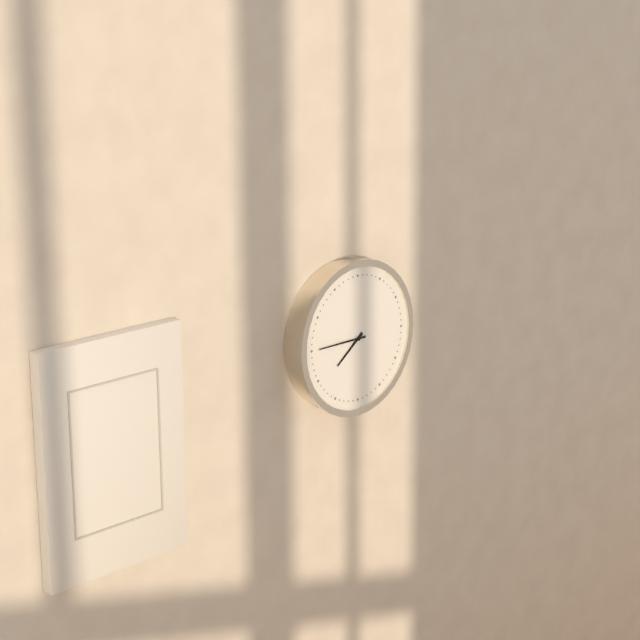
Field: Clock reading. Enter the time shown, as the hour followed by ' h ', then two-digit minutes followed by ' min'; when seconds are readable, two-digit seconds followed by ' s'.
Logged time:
7 h 45 min
